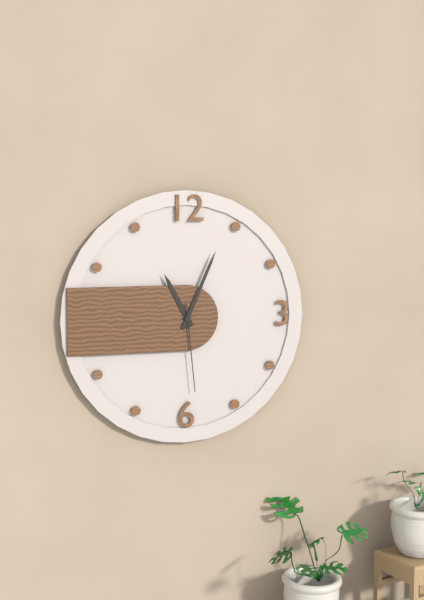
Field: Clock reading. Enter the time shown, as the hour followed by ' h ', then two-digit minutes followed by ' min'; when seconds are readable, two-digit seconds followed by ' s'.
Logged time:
11 h 04 min 29 s
